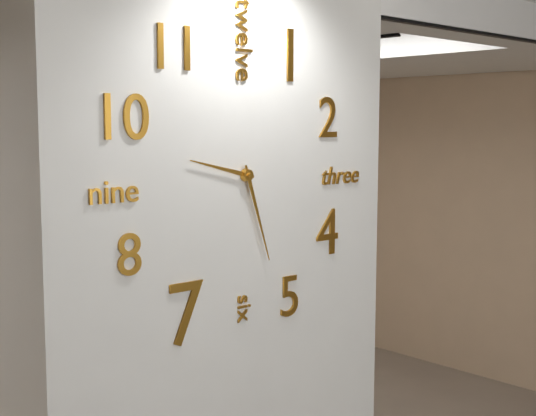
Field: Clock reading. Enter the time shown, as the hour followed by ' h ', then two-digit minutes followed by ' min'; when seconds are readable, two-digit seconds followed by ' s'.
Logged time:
9 h 27 min
